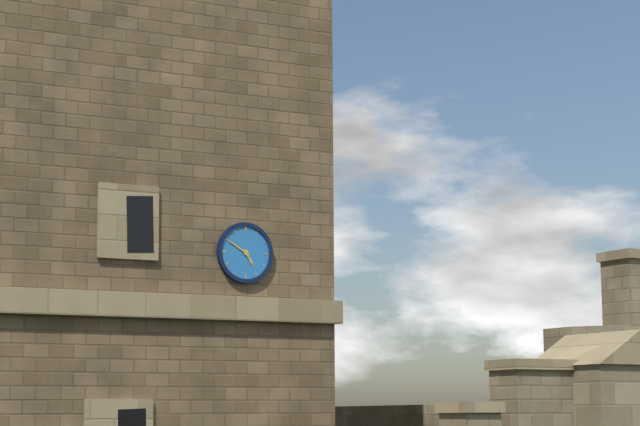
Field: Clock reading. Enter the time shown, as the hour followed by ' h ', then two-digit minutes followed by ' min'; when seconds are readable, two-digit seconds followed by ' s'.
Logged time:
4 h 50 min
